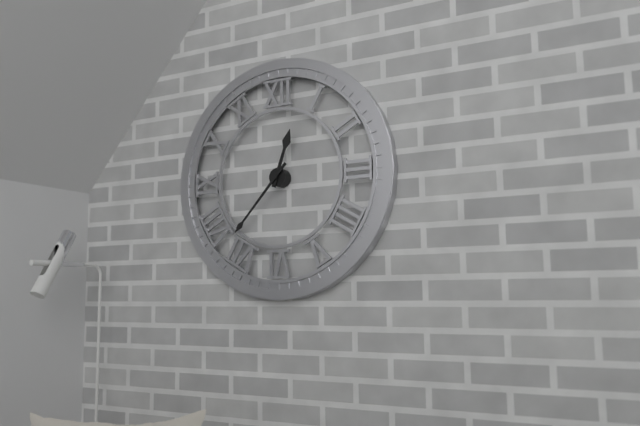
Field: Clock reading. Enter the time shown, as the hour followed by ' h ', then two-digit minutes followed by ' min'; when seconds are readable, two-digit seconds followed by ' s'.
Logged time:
12 h 37 min
